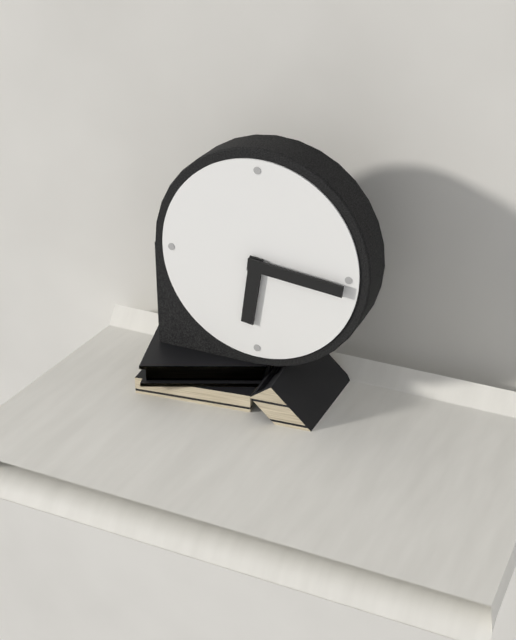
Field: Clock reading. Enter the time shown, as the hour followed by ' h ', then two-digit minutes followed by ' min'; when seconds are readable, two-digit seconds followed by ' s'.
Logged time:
6 h 16 min
